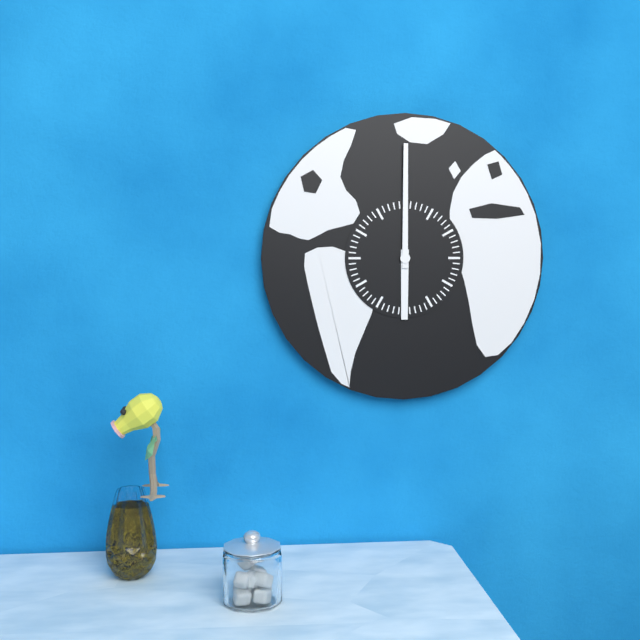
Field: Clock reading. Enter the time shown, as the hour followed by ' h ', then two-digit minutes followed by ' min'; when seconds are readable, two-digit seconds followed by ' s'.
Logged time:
6 h 00 min
